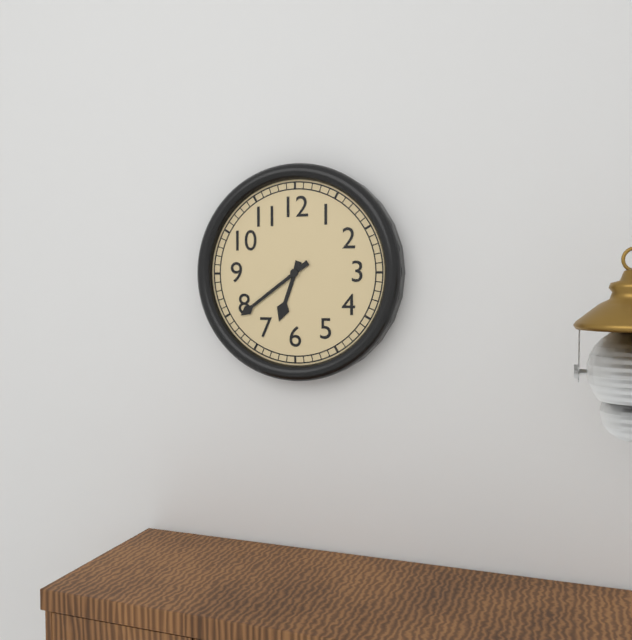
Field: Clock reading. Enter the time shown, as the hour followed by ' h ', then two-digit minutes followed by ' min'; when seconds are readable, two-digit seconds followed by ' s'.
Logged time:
6 h 39 min
